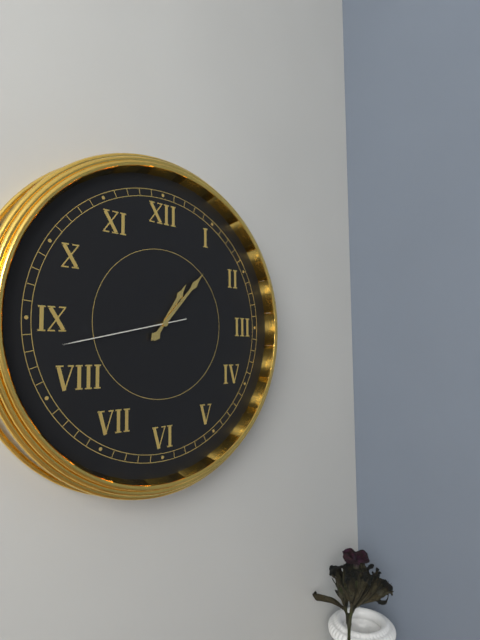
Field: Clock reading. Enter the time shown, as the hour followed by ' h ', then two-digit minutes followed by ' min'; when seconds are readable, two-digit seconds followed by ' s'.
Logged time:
1 h 07 min 43 s
